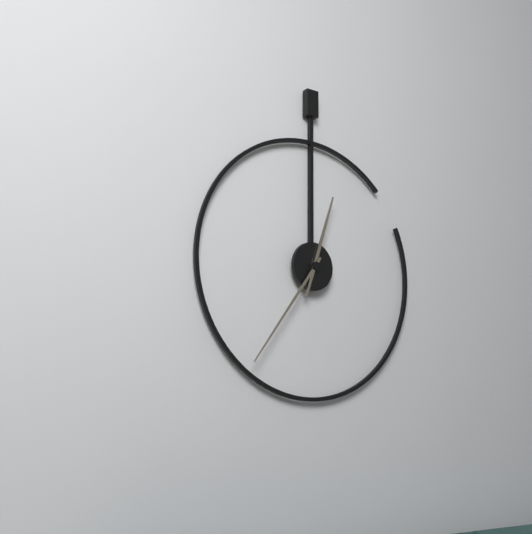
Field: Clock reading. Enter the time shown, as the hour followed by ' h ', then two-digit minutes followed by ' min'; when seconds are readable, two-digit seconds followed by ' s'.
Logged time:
12 h 36 min
